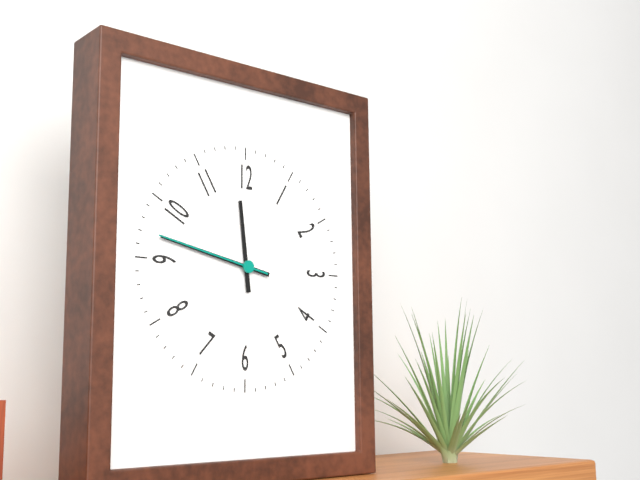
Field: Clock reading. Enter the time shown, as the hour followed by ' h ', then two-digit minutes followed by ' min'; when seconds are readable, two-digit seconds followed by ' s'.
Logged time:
11 h 47 min 47 s
